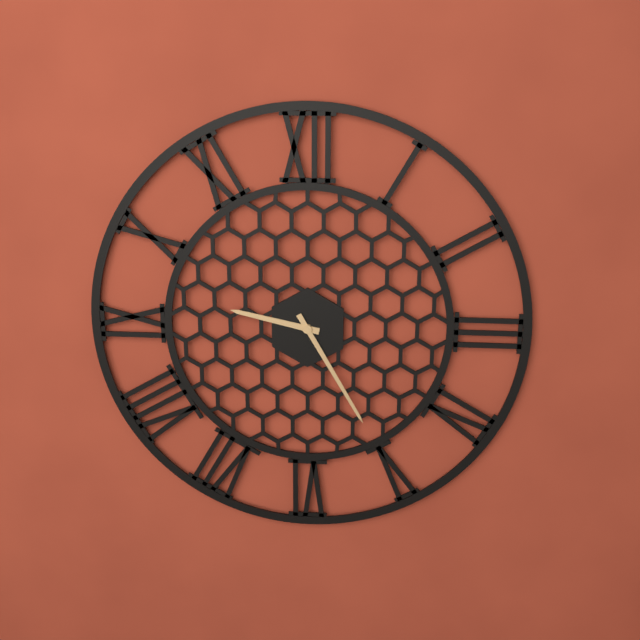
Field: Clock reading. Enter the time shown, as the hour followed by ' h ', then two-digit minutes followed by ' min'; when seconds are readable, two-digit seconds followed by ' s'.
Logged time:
9 h 25 min
